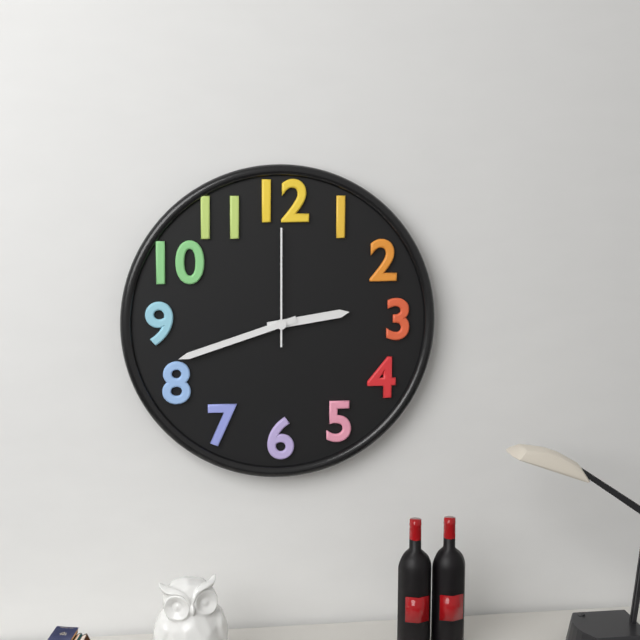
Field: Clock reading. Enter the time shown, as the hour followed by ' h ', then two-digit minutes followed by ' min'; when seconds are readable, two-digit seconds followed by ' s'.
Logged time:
2 h 42 min 00 s
